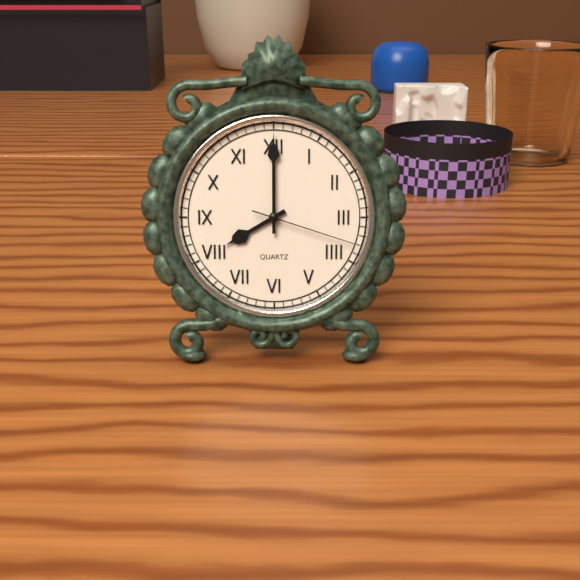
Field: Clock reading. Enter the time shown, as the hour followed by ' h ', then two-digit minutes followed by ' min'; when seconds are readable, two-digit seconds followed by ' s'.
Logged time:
8 h 00 min 18 s
